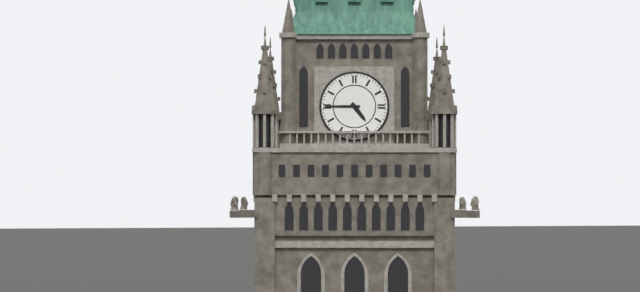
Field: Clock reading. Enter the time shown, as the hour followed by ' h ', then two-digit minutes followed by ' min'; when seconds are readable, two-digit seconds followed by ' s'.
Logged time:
4 h 45 min
